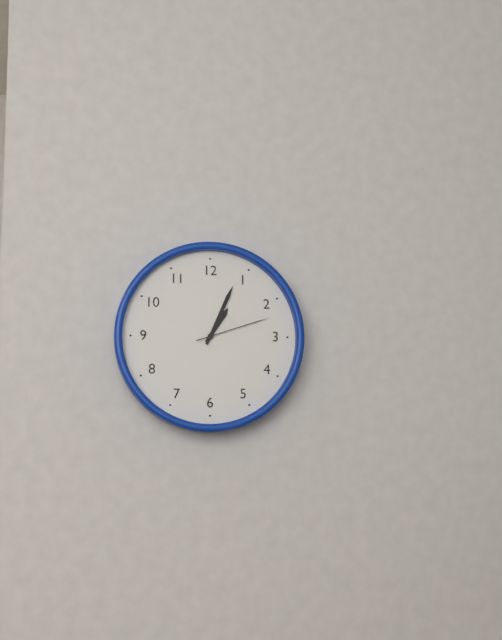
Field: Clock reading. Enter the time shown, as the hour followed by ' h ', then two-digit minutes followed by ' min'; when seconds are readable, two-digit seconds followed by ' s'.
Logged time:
1 h 04 min 12 s
